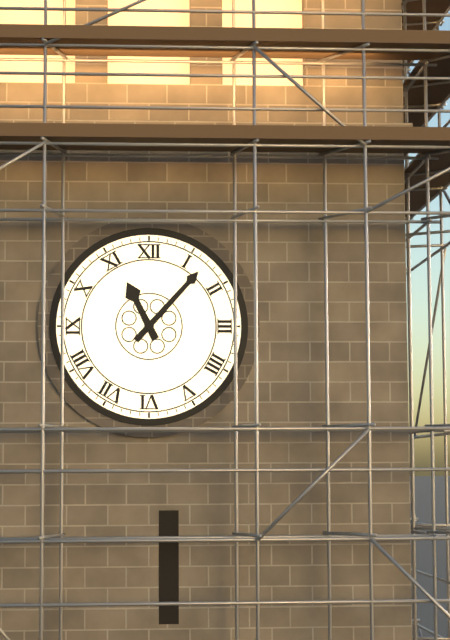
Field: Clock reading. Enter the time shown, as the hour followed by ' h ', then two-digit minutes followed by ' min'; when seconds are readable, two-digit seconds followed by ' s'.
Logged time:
11 h 07 min
